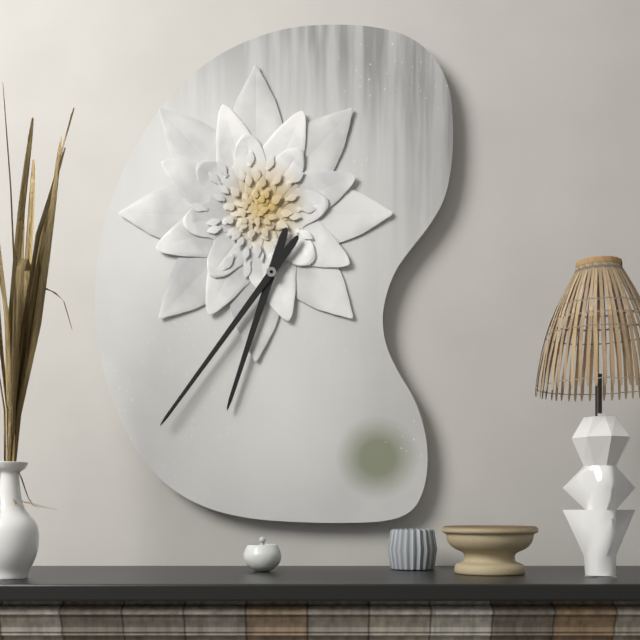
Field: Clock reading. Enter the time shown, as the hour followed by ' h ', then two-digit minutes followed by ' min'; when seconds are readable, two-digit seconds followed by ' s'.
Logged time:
6 h 36 min
